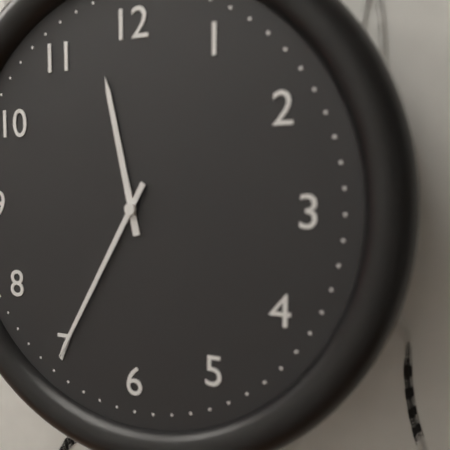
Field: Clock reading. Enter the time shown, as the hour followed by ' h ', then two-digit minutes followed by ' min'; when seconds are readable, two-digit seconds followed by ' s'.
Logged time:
11 h 35 min
